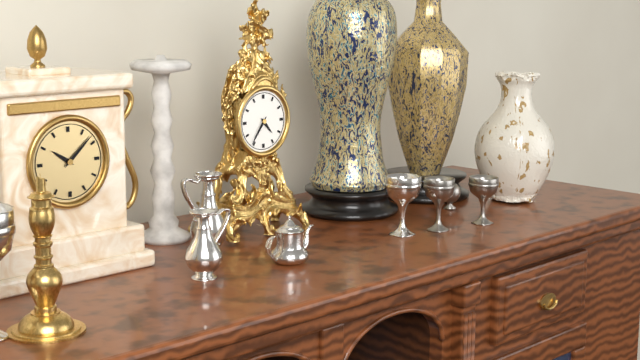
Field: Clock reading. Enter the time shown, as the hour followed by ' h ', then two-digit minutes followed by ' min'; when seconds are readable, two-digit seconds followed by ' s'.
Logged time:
4 h 36 min
